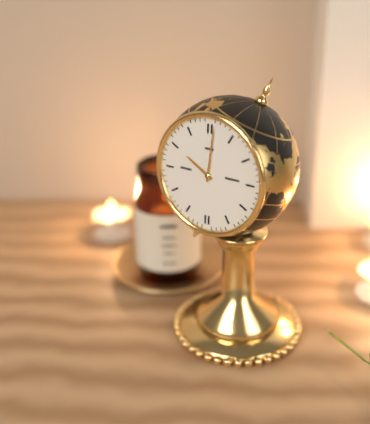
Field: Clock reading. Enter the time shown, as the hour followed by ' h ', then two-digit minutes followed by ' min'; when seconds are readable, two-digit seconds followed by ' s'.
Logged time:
10 h 01 min
